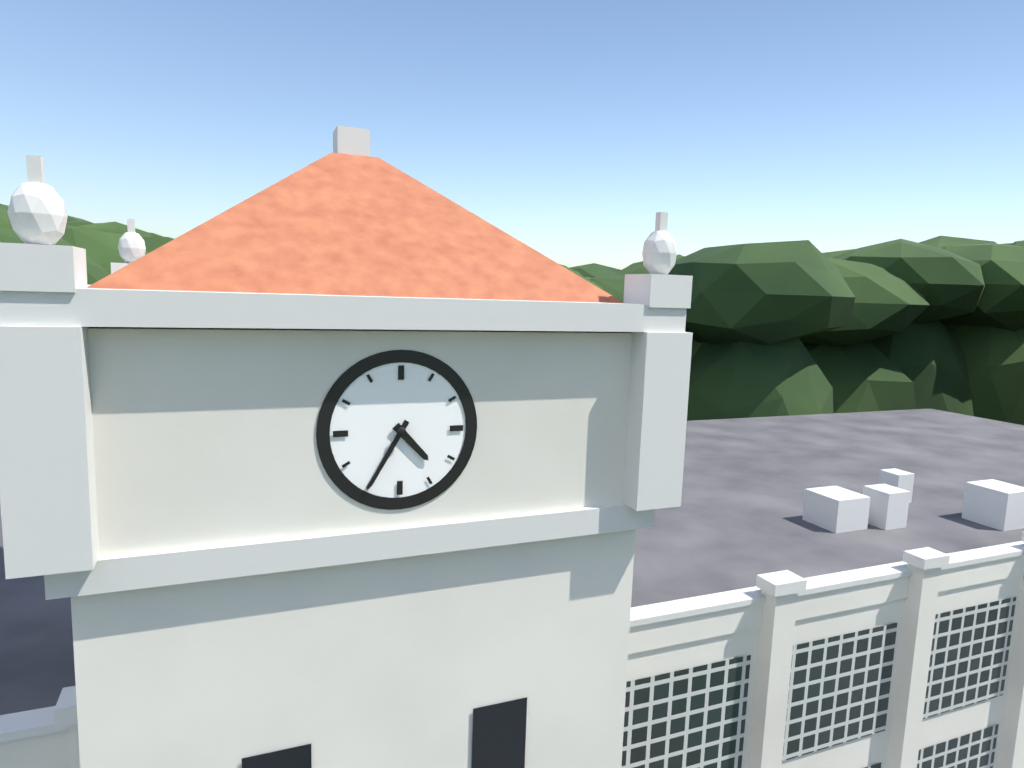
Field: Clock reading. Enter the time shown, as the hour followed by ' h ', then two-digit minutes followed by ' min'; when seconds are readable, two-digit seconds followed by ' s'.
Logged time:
4 h 35 min
